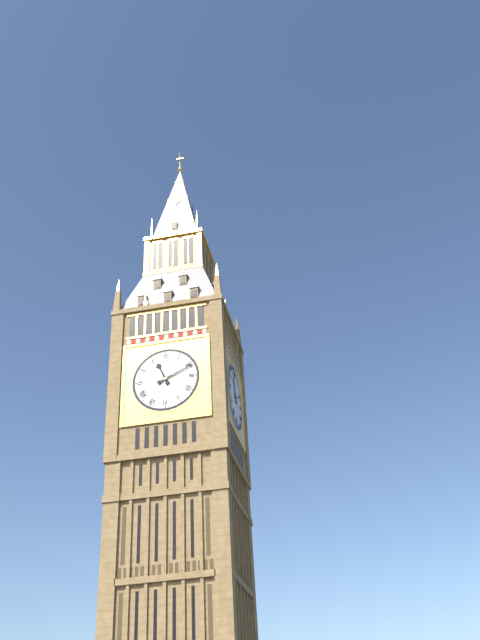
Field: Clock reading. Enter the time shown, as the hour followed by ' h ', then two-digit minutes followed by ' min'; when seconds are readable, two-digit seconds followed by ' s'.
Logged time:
11 h 11 min
